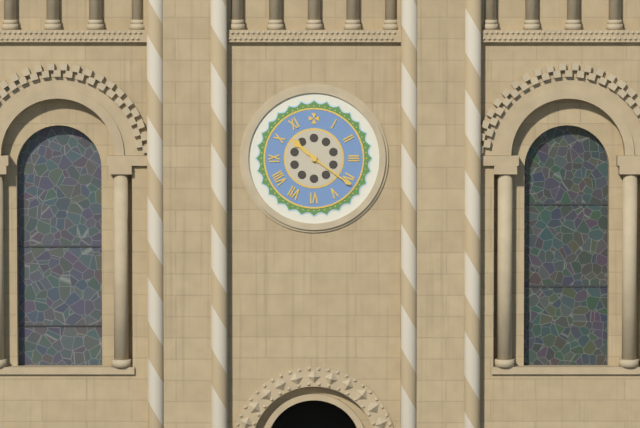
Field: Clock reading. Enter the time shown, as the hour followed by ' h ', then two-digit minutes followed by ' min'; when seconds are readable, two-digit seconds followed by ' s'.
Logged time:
10 h 21 min
